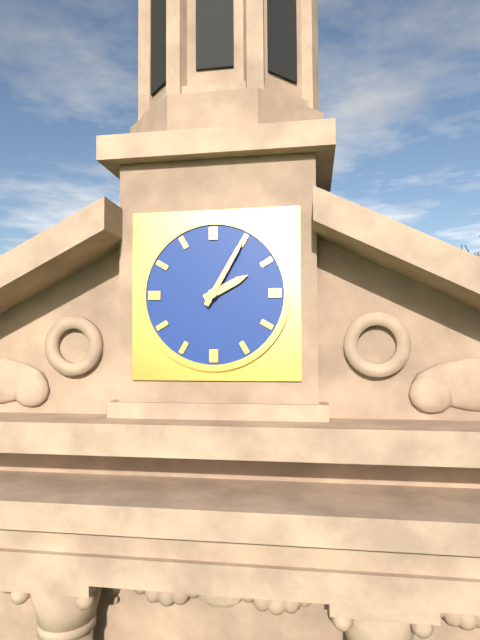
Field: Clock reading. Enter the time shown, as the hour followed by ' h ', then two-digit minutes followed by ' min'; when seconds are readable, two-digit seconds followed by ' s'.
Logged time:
2 h 05 min
